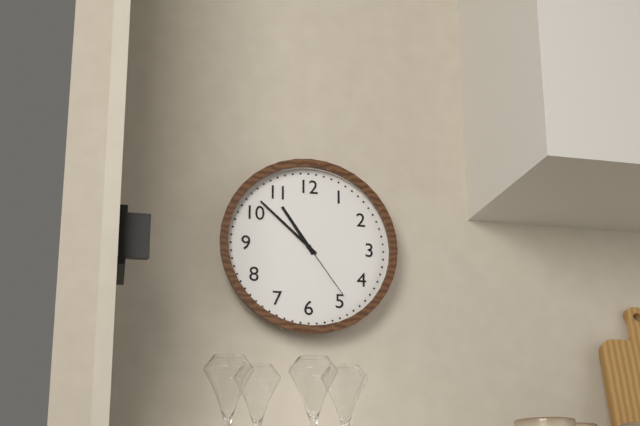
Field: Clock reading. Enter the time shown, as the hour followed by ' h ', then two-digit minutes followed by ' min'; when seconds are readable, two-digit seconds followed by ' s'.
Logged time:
10 h 52 min 24 s
